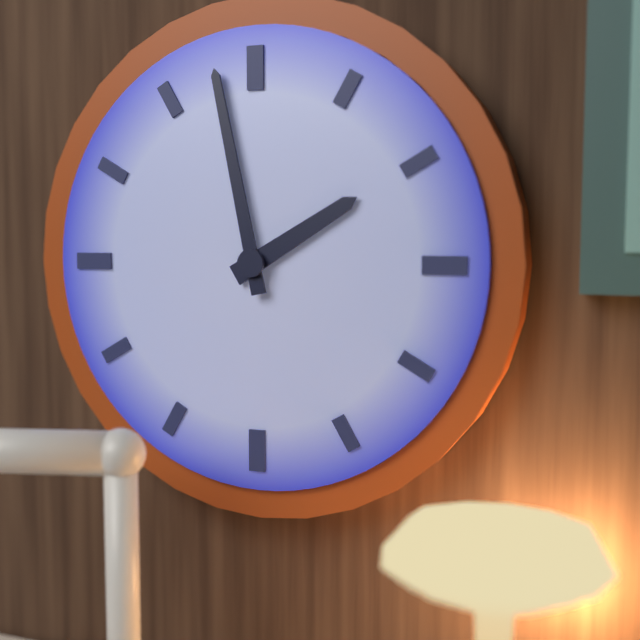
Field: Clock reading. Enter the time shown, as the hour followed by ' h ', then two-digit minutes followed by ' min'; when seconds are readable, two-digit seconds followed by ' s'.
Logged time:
1 h 58 min
